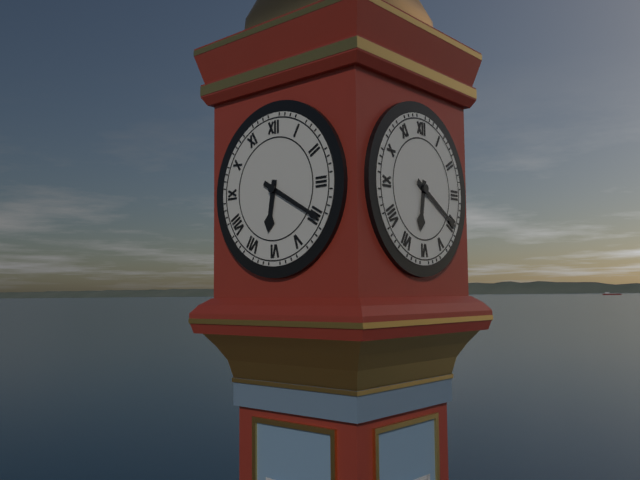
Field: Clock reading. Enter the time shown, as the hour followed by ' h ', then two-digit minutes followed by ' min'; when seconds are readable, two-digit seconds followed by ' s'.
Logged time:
6 h 20 min
